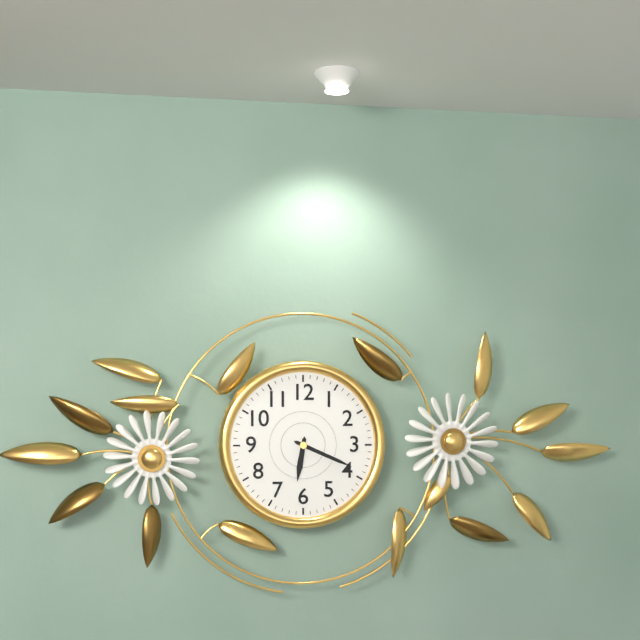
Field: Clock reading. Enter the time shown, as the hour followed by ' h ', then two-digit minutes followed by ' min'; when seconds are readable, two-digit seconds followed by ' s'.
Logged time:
6 h 19 min
